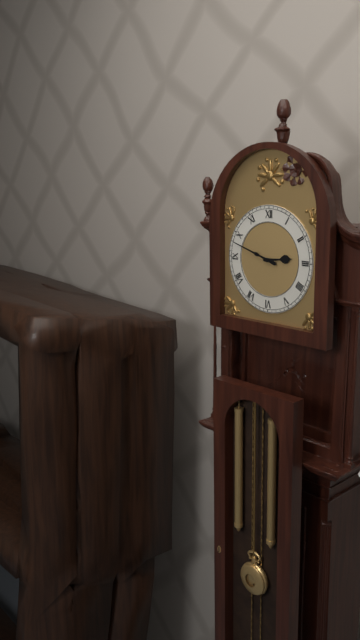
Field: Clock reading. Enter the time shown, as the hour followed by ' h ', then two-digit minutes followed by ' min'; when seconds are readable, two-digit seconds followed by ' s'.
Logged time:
2 h 48 min
